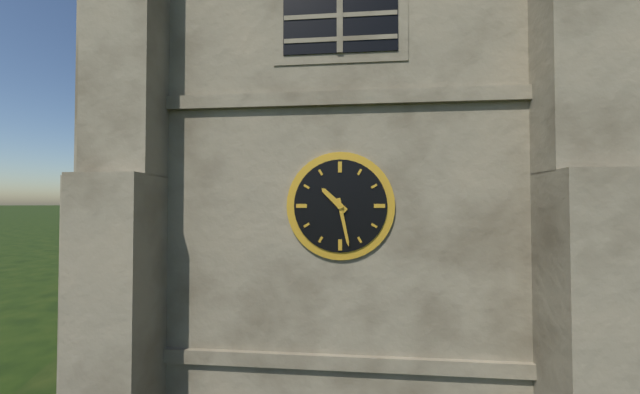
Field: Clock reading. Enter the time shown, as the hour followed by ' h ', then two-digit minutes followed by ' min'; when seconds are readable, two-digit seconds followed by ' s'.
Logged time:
10 h 28 min
